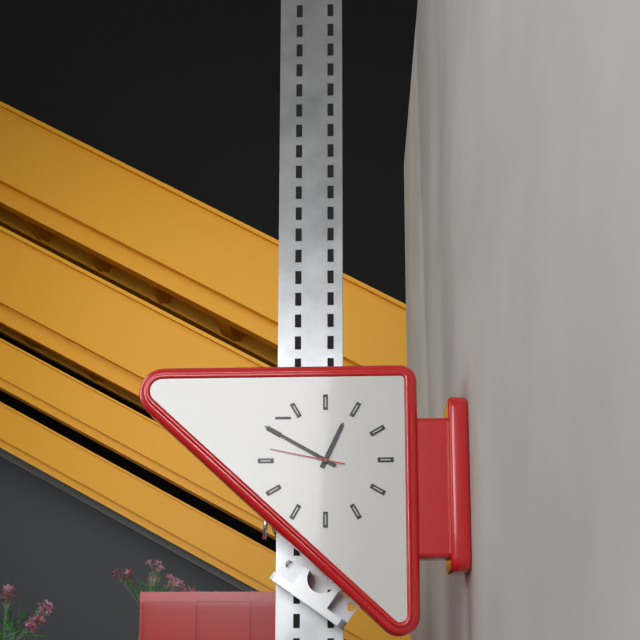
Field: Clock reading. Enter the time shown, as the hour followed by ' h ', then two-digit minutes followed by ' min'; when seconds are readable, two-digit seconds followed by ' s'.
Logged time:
12 h 50 min 47 s
